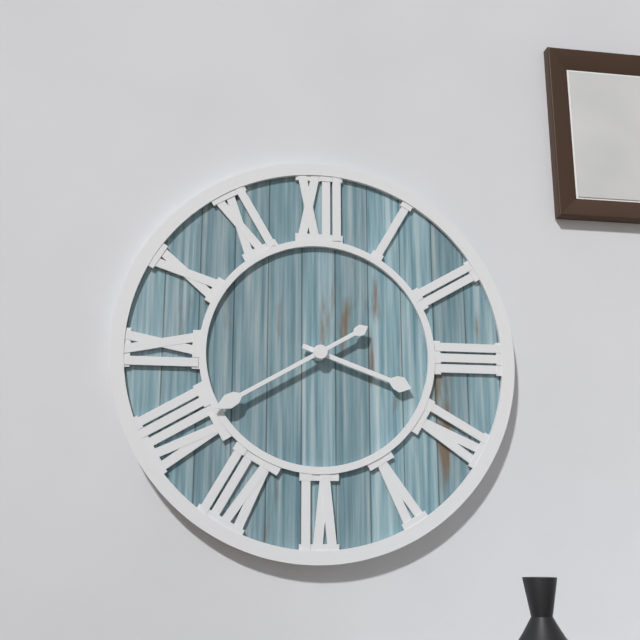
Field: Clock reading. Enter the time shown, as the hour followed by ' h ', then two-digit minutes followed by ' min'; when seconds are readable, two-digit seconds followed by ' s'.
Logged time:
3 h 40 min
